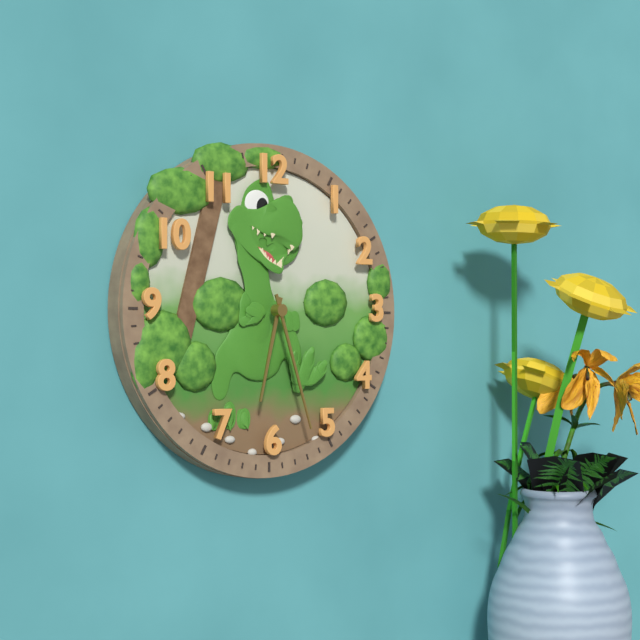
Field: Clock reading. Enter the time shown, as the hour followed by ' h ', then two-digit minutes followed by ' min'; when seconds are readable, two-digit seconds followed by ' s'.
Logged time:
6 h 27 min
